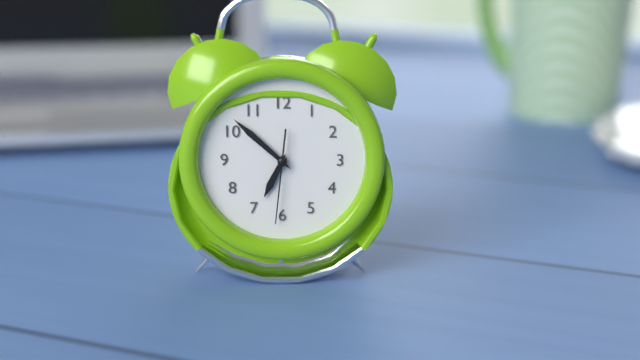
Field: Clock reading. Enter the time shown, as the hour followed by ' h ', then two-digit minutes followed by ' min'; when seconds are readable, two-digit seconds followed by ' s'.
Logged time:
6 h 52 min 31 s
